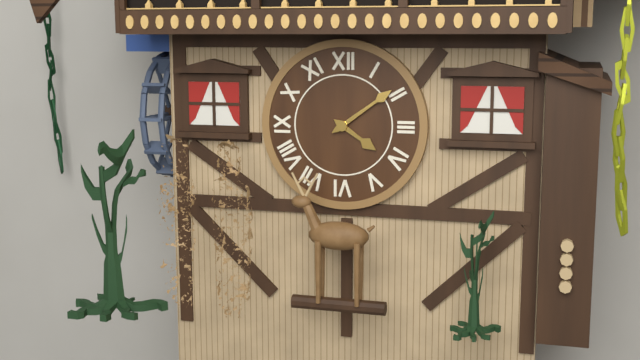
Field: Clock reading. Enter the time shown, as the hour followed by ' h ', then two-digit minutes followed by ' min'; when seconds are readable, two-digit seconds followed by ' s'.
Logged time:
4 h 09 min
